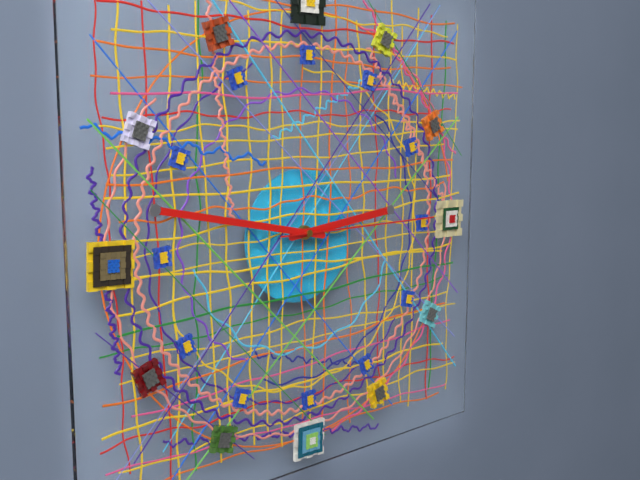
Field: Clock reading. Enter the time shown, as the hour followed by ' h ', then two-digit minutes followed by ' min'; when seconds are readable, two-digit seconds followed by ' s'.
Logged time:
2 h 47 min 15 s
